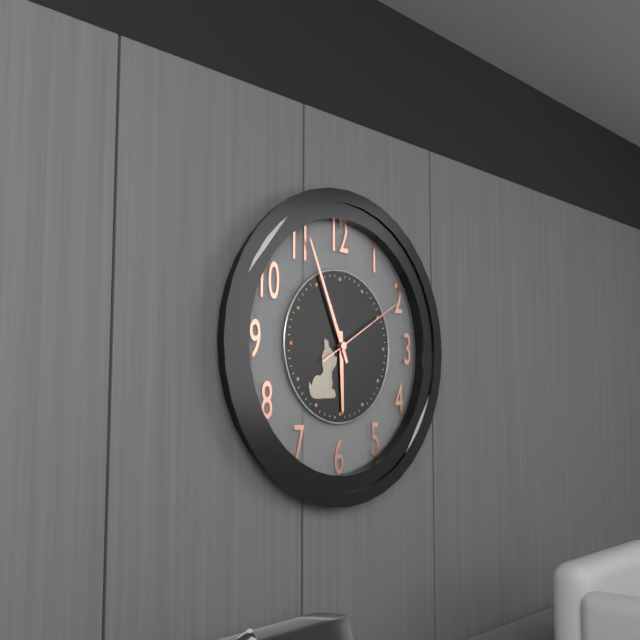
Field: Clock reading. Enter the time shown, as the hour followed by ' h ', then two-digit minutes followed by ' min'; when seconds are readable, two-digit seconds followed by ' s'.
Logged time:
5 h 56 min 10 s
